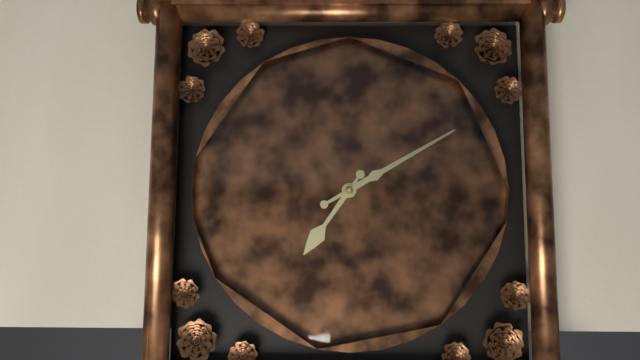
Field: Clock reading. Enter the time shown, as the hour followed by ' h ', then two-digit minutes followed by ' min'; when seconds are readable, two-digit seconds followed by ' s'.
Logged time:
7 h 10 min
